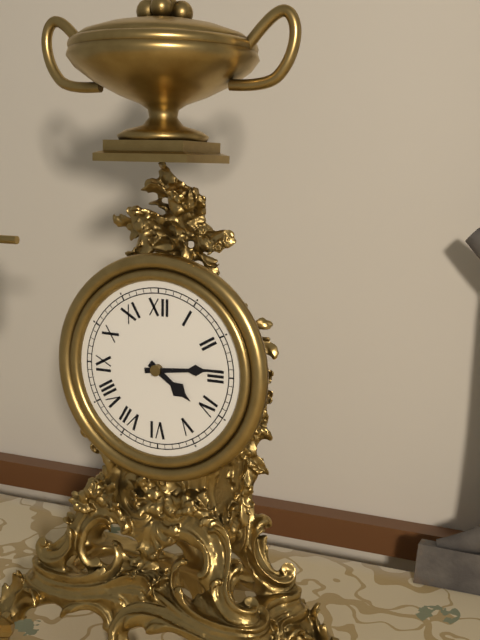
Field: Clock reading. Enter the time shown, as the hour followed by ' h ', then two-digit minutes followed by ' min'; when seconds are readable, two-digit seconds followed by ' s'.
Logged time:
4 h 14 min
